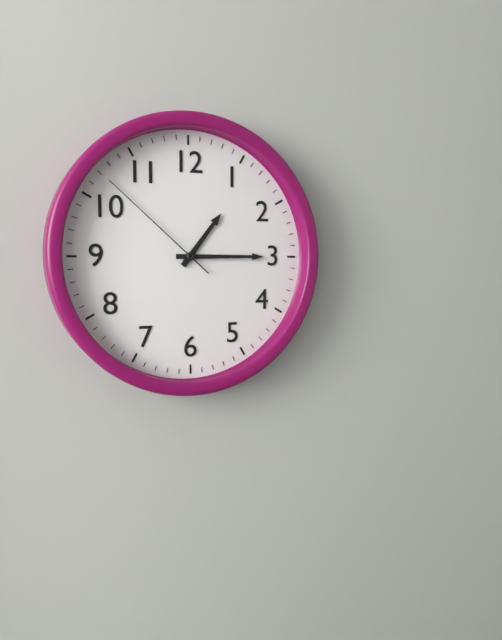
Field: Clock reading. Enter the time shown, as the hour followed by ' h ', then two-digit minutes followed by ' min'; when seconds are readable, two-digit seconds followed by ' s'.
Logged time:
1 h 15 min 52 s
